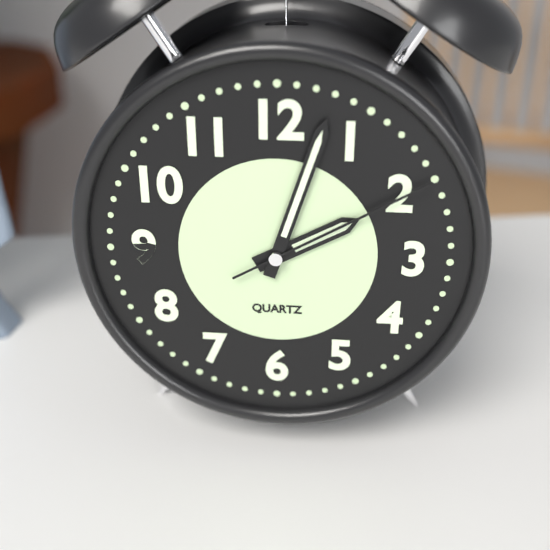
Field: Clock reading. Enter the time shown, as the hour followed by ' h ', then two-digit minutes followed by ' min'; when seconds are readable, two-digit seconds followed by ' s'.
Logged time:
2 h 03 min 10 s
